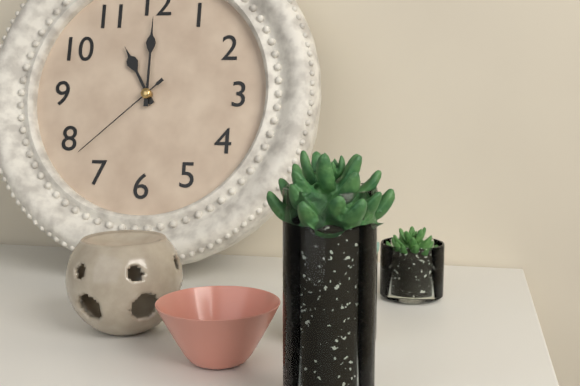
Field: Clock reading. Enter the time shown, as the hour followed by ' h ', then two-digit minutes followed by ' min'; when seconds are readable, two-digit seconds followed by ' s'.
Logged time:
11 h 00 min 38 s
